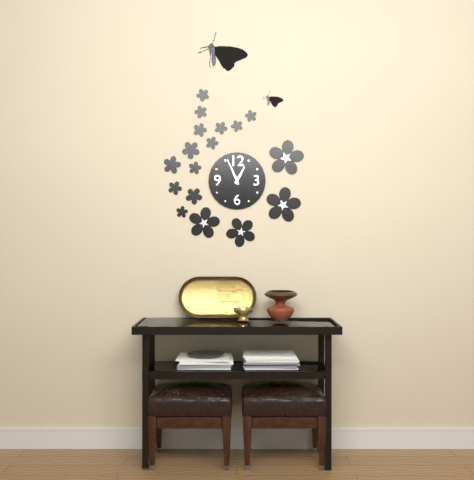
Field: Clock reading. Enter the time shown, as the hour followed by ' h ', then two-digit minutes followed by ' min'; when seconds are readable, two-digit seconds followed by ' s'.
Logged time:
12 h 56 min
